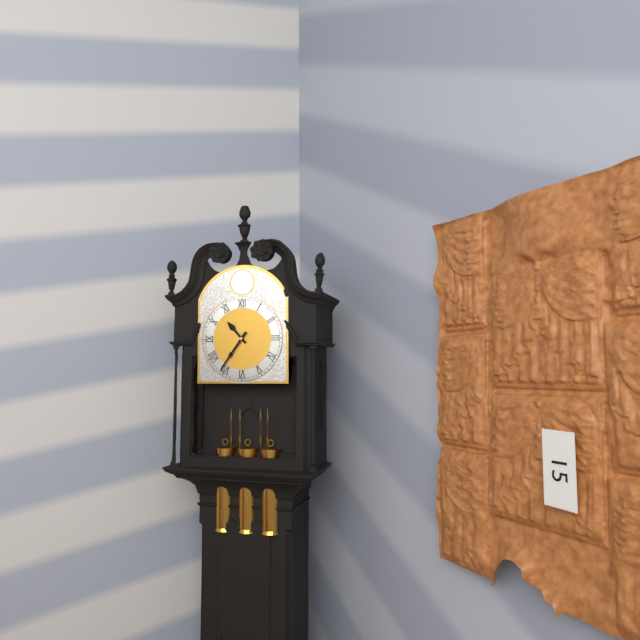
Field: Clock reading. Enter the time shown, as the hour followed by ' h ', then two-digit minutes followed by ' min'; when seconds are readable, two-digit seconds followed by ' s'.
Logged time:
10 h 36 min
